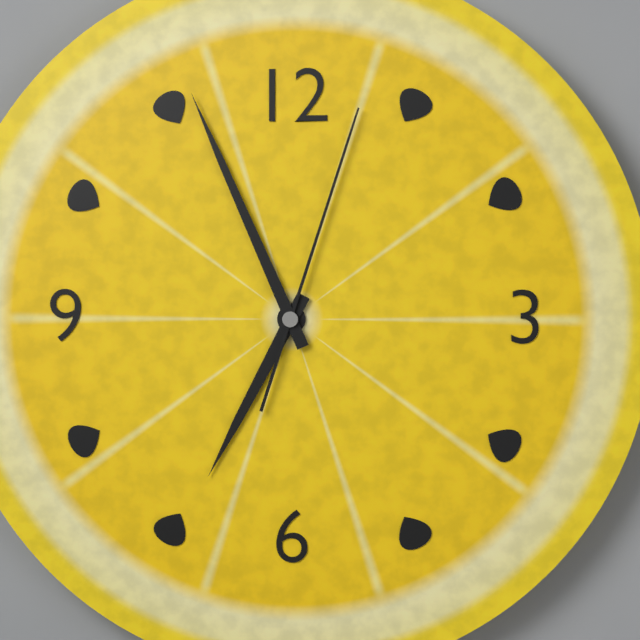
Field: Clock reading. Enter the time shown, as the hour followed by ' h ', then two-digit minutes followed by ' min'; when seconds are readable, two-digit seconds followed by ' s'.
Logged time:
6 h 56 min 03 s
